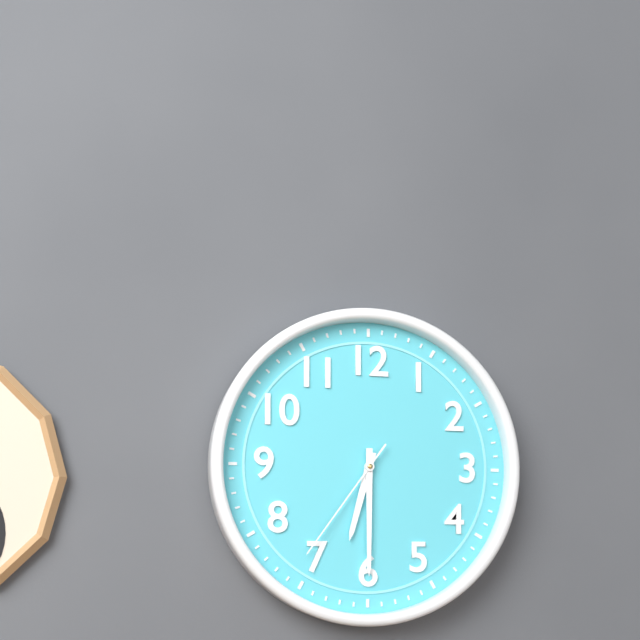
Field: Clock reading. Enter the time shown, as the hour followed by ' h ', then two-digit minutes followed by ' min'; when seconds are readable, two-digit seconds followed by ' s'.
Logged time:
6 h 30 min 36 s
